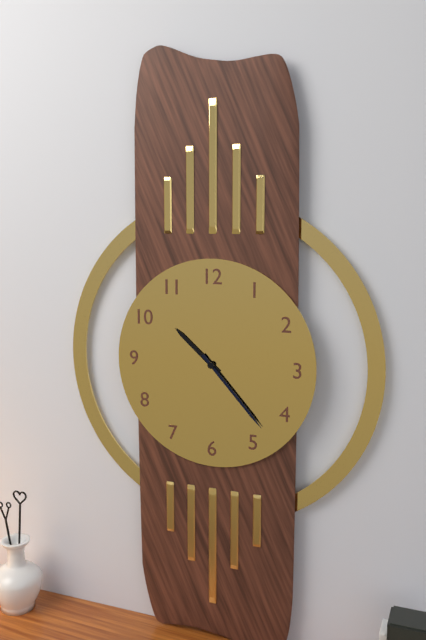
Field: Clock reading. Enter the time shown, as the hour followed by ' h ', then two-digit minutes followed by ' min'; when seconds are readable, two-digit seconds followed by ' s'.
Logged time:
10 h 23 min
